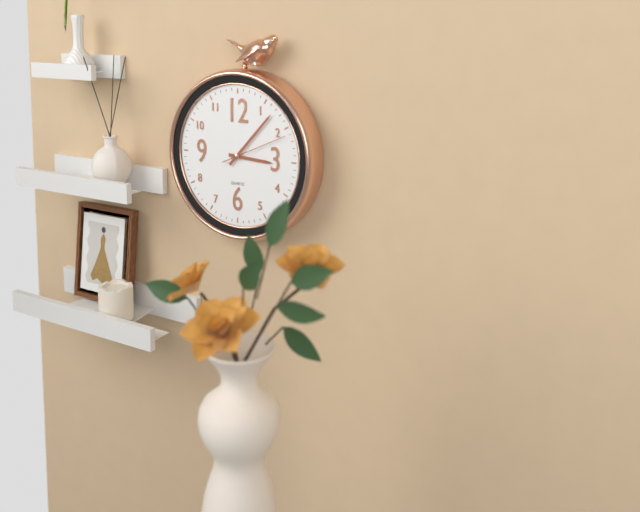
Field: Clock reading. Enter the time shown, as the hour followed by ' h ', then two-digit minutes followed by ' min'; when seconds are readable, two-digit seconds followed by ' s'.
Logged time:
3 h 07 min
